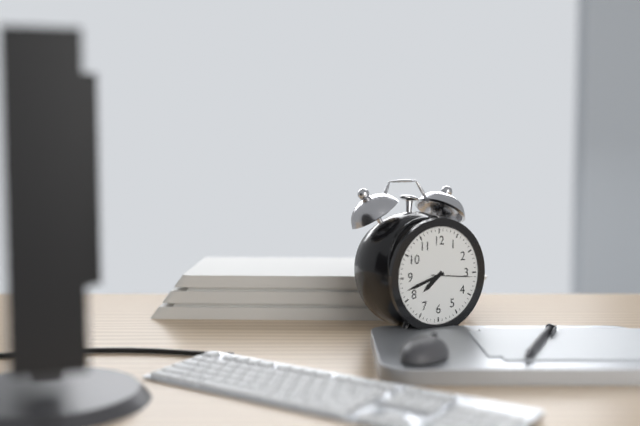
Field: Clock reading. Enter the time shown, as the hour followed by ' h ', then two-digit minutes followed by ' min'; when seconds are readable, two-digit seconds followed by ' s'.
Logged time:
7 h 42 min
